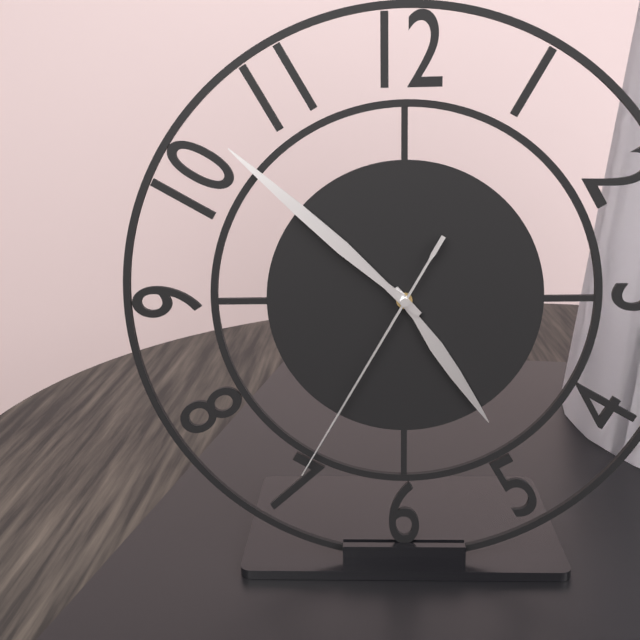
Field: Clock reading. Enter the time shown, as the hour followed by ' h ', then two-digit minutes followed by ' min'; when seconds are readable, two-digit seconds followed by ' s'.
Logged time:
4 h 52 min 35 s
